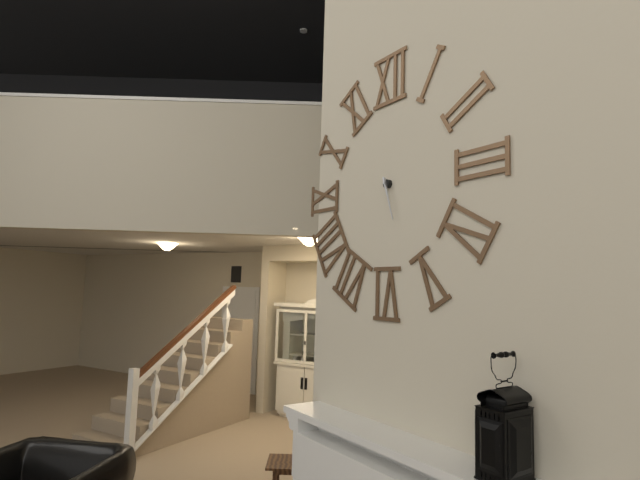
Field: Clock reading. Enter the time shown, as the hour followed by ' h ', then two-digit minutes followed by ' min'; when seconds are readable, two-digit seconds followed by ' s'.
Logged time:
5 h 27 min
